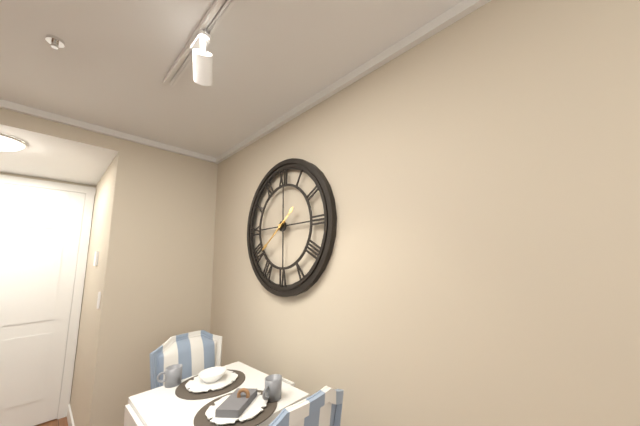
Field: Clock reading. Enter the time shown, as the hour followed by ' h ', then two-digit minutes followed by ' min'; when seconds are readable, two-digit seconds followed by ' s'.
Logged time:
1 h 39 min
